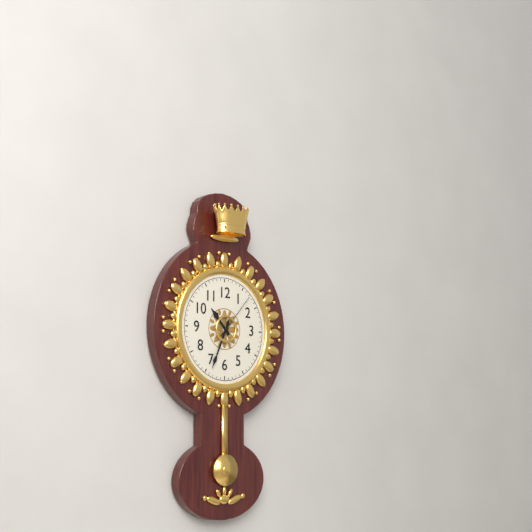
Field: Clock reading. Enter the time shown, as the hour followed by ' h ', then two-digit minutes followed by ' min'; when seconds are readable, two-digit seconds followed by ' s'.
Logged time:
10 h 34 min 07 s
